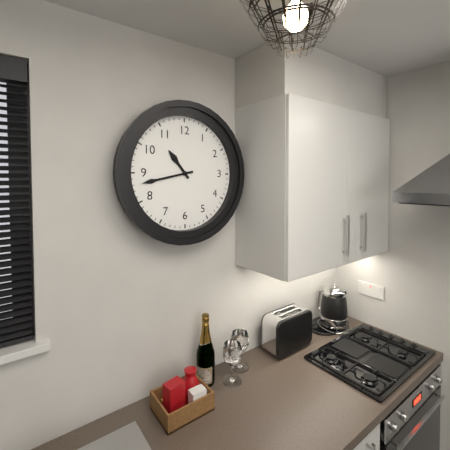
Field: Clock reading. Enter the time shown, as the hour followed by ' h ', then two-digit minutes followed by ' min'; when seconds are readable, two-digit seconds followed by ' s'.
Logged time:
10 h 43 min
